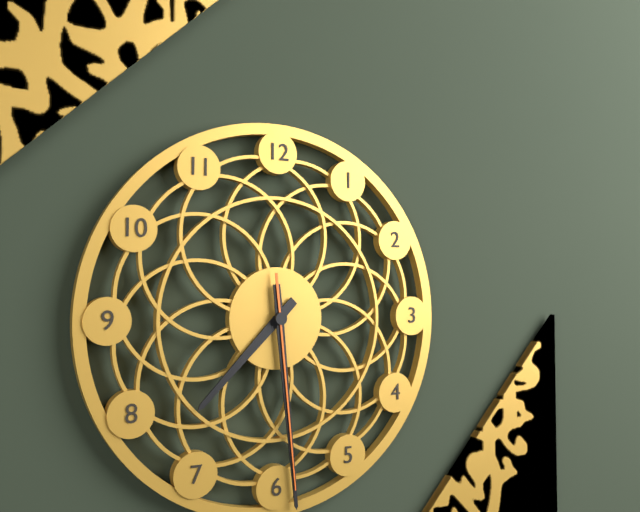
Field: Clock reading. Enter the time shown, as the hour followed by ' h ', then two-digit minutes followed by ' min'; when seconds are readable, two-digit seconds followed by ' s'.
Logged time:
7 h 29 min 29 s
